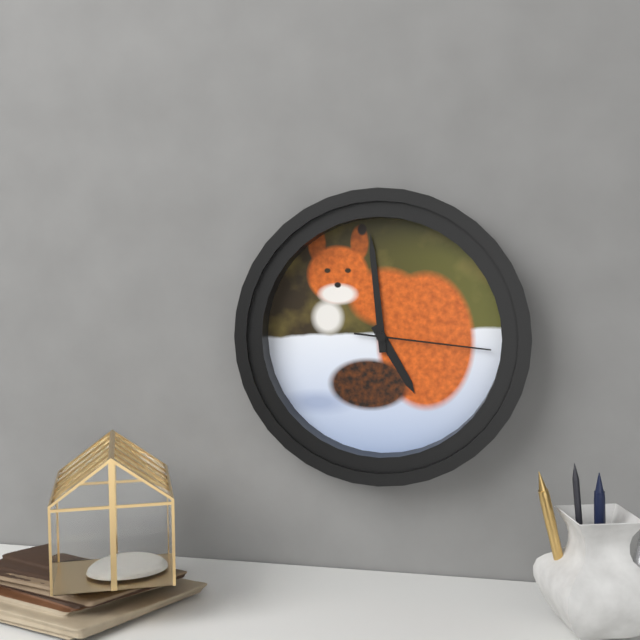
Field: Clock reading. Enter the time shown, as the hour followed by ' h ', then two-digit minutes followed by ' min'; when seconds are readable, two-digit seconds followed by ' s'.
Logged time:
4 h 59 min 16 s
